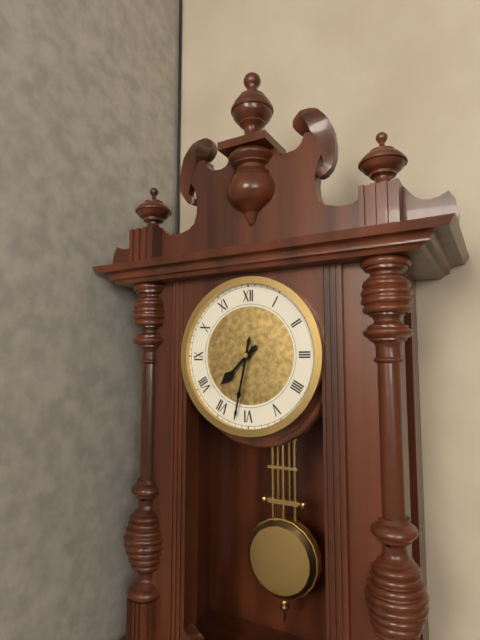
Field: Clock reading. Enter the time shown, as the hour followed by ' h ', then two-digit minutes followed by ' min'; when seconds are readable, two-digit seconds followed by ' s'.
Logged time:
7 h 32 min
